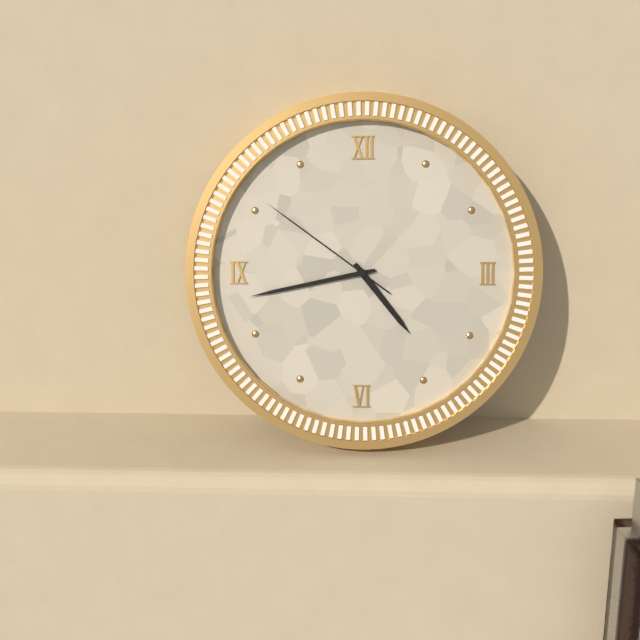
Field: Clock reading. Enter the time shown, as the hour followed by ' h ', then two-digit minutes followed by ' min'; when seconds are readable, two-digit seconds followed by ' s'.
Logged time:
4 h 43 min 51 s
